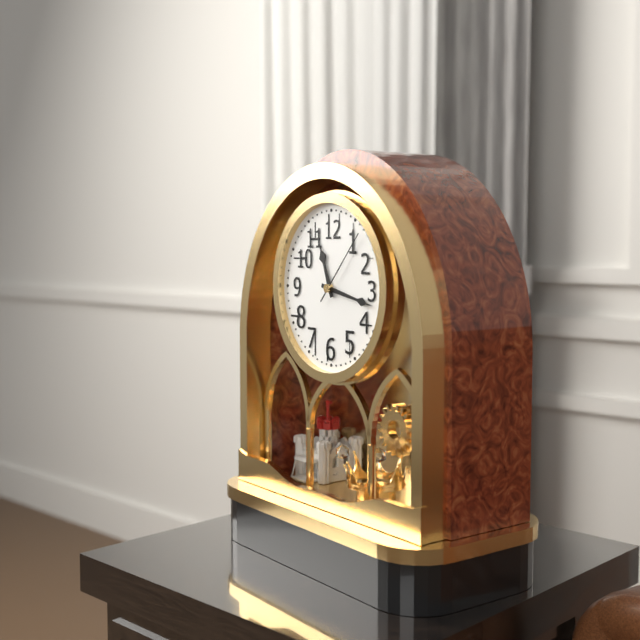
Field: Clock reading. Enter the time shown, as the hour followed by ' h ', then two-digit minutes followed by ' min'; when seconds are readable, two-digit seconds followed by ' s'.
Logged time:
11 h 17 min 07 s
